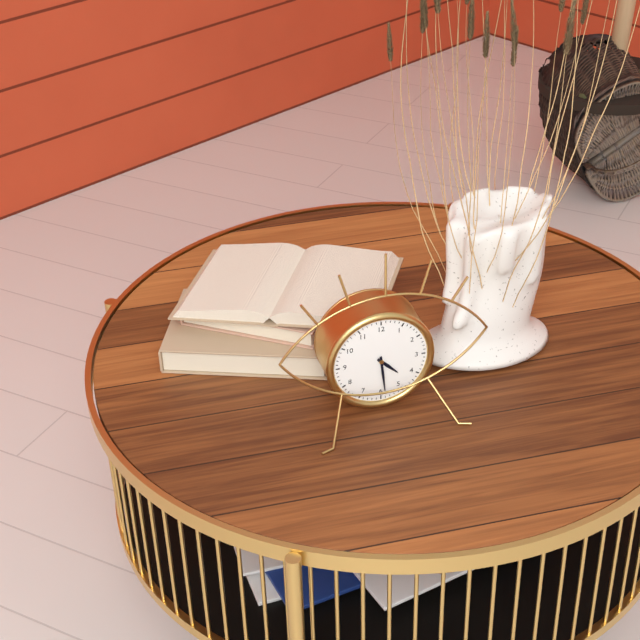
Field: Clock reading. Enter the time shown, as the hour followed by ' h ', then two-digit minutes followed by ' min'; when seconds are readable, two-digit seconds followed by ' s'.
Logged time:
4 h 29 min
